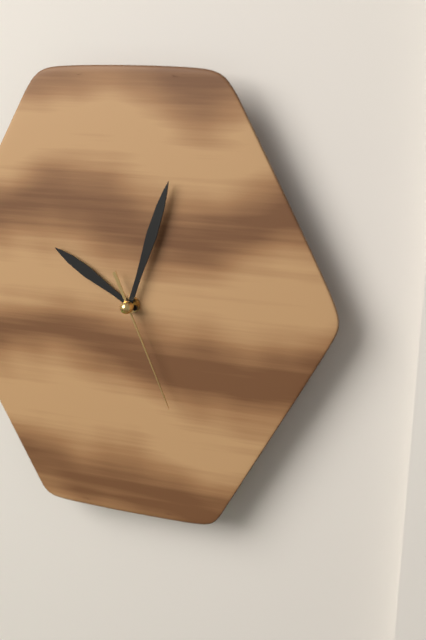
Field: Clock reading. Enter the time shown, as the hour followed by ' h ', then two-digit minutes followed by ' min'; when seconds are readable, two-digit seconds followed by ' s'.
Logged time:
10 h 03 min 26 s
